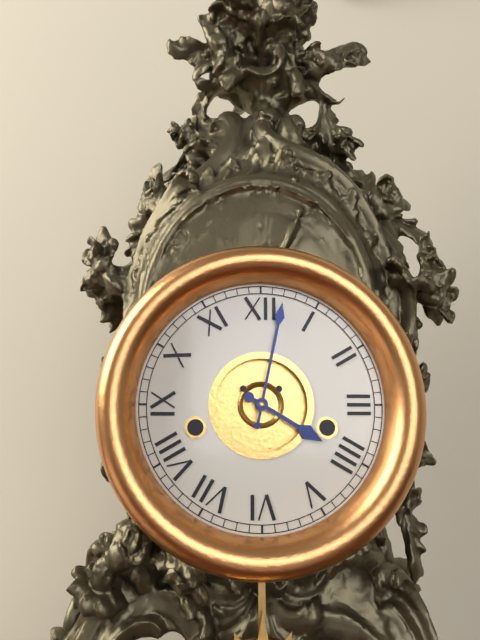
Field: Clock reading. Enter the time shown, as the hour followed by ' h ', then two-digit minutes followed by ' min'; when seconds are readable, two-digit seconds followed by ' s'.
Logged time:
4 h 02 min
